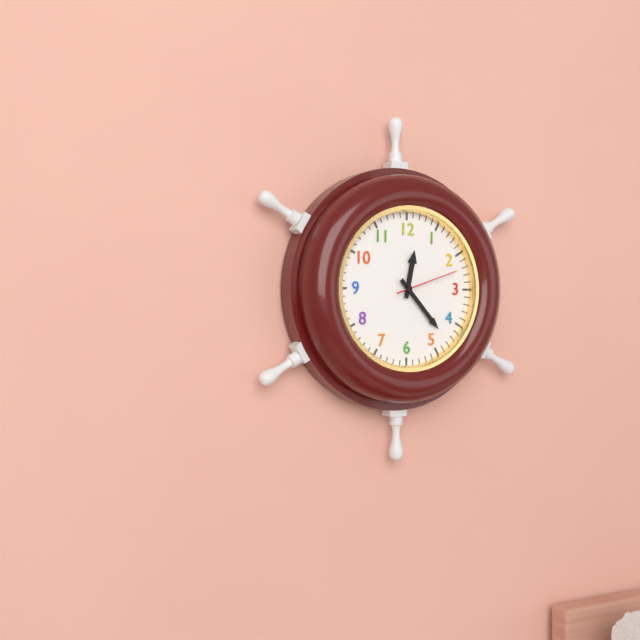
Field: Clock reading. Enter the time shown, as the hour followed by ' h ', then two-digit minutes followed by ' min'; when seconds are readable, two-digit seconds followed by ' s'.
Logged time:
12 h 23 min 12 s
